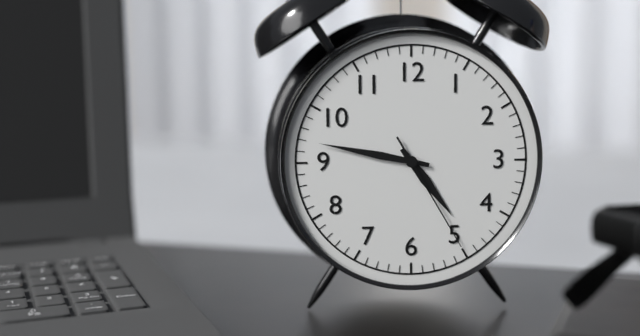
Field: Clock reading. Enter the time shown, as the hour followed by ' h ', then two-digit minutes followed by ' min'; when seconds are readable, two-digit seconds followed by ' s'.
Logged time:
4 h 47 min 25 s
